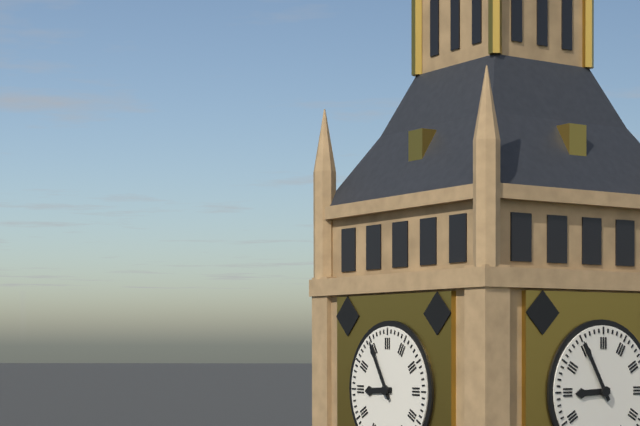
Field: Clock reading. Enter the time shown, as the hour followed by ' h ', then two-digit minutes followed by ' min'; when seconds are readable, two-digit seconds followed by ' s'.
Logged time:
8 h 55 min
